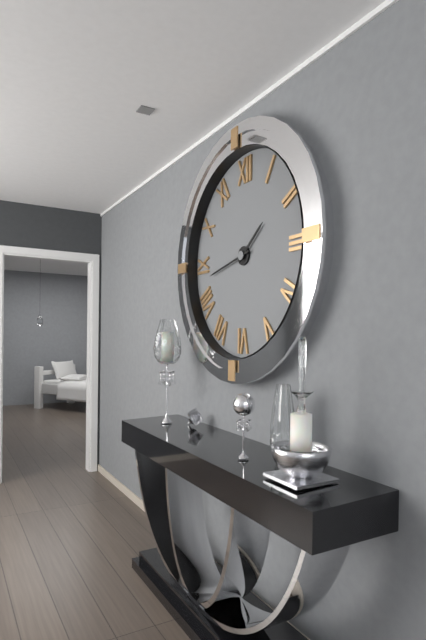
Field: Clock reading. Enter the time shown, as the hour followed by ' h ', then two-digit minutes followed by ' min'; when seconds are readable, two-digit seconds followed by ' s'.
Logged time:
1 h 43 min
